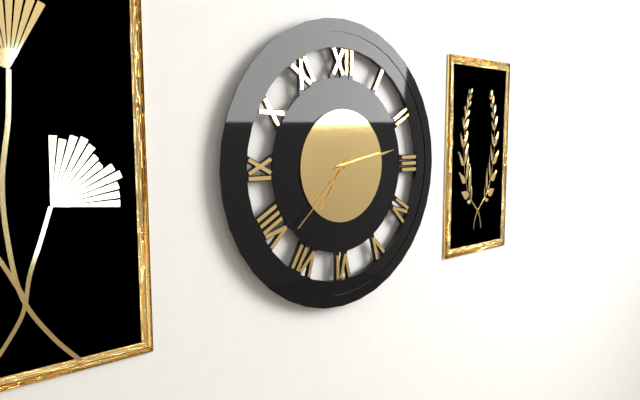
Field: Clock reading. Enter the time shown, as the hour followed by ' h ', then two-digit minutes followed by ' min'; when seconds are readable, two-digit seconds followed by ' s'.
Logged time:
7 h 13 min 38 s
